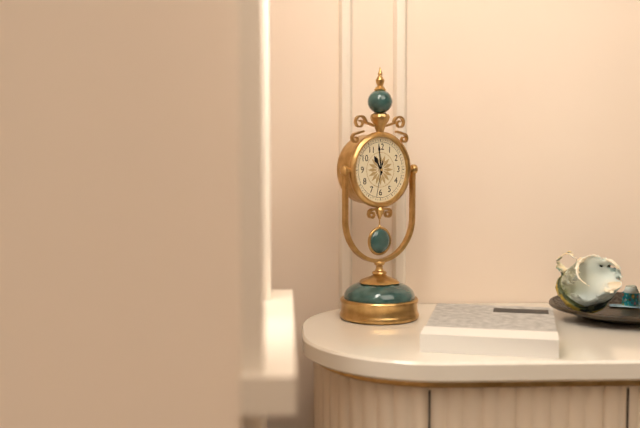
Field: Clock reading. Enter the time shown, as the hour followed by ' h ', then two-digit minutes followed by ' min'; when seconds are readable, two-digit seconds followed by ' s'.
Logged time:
10 h 59 min
